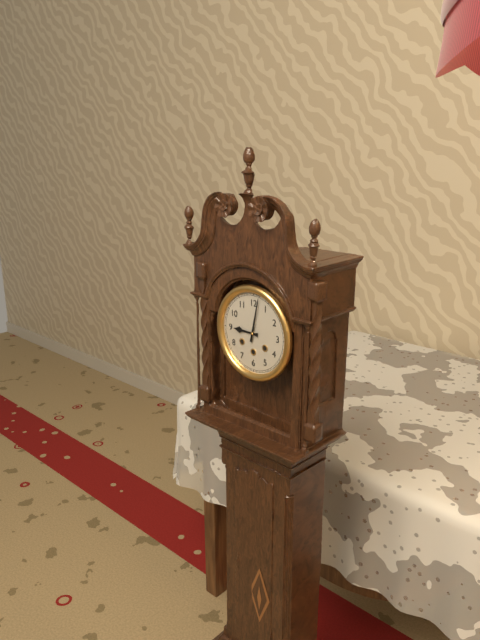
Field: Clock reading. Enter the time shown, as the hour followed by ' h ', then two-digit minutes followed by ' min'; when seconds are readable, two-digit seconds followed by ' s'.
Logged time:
9 h 02 min
